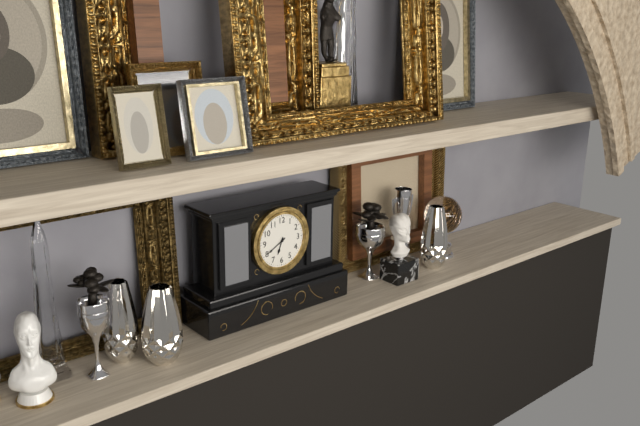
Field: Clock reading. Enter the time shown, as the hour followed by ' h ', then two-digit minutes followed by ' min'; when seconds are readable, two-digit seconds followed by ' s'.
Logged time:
6 h 40 min
